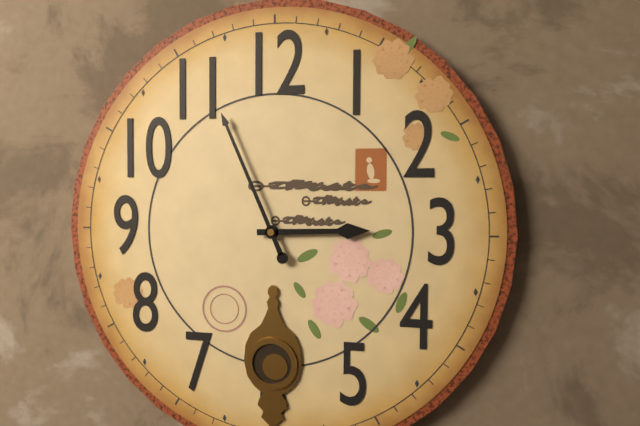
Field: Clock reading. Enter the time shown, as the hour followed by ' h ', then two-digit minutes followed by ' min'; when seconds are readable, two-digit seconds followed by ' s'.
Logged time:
2 h 56 min
